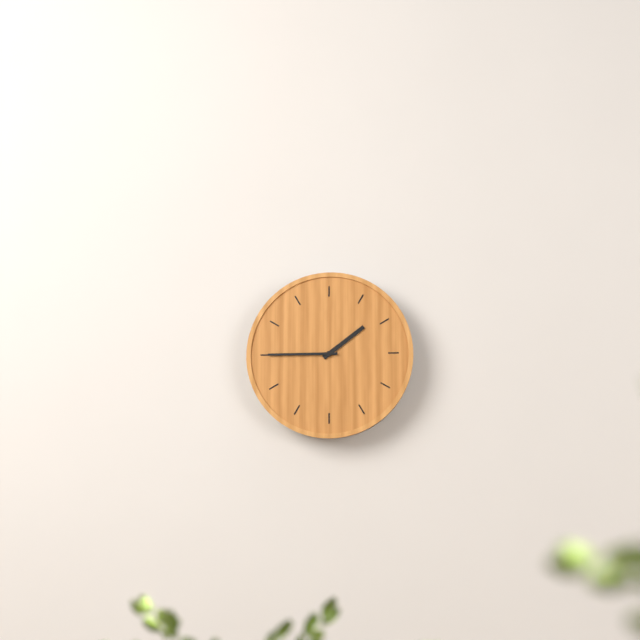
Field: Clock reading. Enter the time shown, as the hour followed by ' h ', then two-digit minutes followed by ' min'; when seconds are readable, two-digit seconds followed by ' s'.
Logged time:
1 h 45 min
